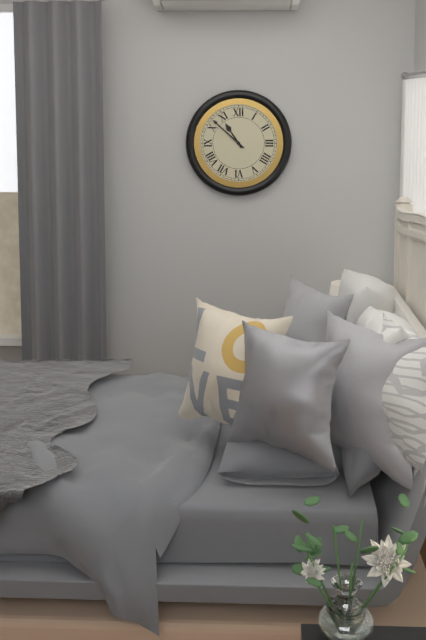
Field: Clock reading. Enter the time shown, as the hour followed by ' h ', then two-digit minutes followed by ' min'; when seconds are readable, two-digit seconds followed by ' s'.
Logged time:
10 h 52 min
